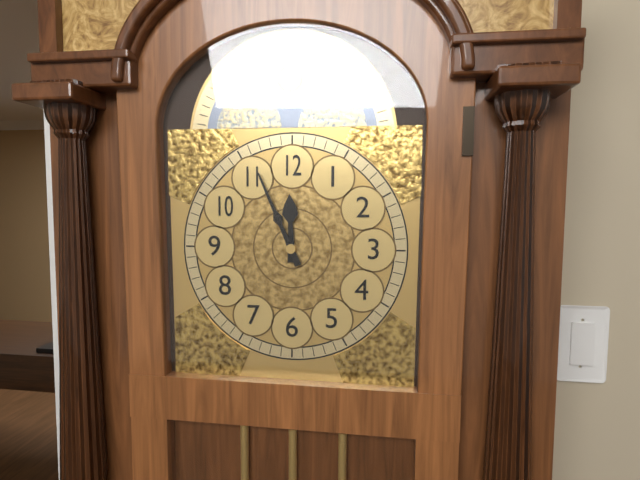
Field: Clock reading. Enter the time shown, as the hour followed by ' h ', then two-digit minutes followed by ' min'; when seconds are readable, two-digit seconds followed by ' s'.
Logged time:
11 h 56 min
